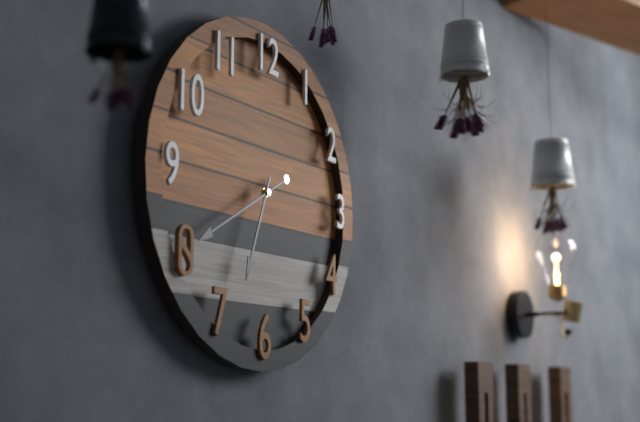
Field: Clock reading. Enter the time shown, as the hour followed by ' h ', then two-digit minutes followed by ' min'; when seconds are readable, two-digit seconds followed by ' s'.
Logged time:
6 h 40 min
